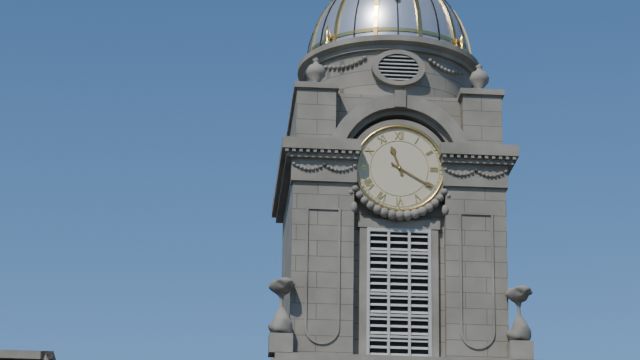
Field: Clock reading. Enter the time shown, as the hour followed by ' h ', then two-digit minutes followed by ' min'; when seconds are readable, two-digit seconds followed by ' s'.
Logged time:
11 h 20 min
